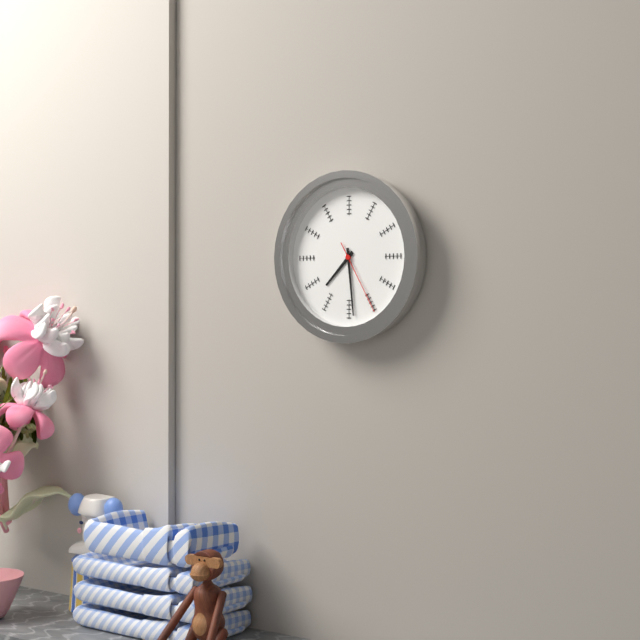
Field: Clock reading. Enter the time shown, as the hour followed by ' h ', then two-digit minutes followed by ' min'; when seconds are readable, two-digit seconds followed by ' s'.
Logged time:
7 h 29 min 25 s
